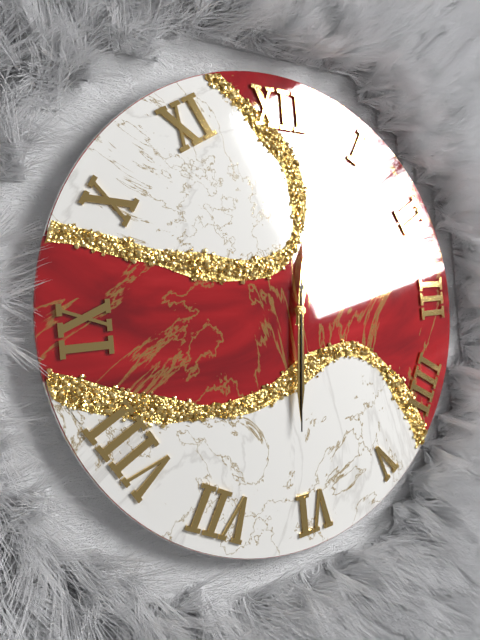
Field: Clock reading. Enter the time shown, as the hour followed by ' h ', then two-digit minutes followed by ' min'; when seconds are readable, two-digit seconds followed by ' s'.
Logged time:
12 h 31 min 31 s
